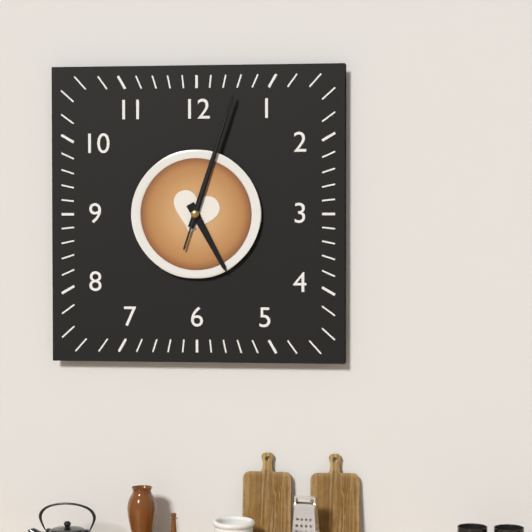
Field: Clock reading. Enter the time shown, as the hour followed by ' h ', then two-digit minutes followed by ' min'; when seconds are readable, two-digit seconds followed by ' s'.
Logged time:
5 h 03 min 03 s
